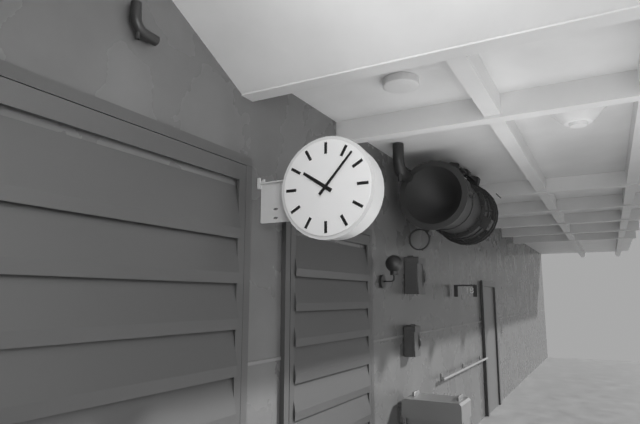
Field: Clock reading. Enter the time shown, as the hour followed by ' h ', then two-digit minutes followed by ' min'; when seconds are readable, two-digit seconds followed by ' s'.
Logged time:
10 h 07 min
